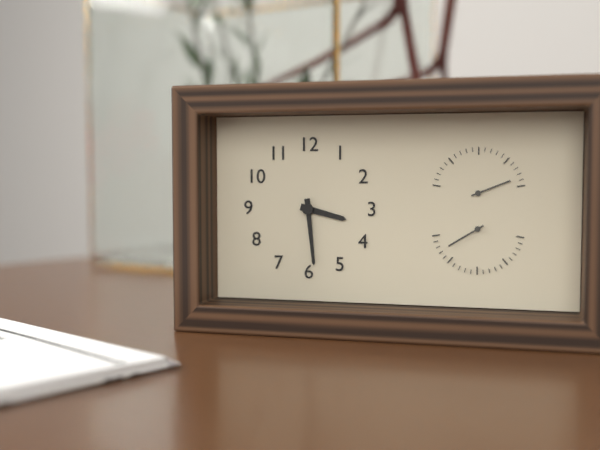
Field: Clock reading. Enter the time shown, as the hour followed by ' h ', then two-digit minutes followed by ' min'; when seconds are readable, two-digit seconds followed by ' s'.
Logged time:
3 h 29 min
